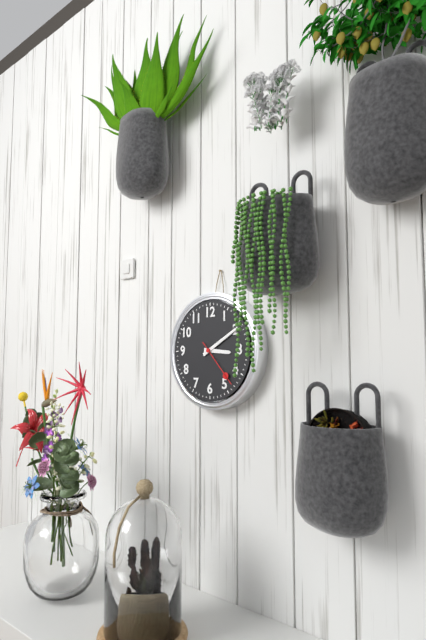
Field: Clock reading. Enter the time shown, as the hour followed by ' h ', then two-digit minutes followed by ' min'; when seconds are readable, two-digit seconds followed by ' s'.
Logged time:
3 h 10 min
